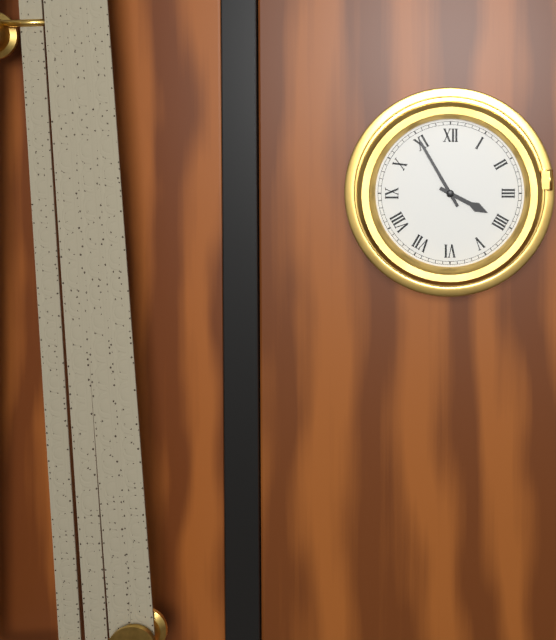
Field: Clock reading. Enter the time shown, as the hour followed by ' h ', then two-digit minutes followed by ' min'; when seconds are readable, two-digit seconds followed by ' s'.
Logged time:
3 h 55 min
